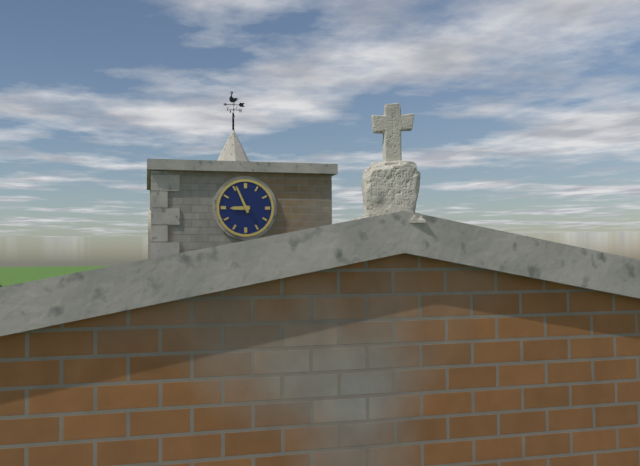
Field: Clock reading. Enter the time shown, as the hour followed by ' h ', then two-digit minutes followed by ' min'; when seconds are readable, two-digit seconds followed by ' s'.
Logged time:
8 h 56 min
